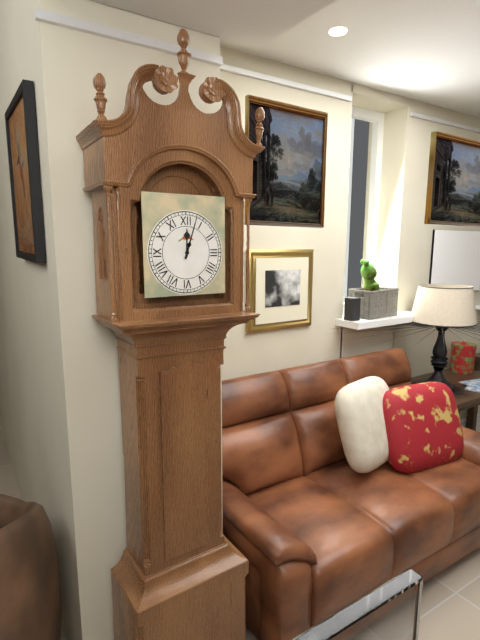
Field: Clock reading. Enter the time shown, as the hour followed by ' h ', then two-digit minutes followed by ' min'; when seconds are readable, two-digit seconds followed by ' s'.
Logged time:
12 h 03 min
